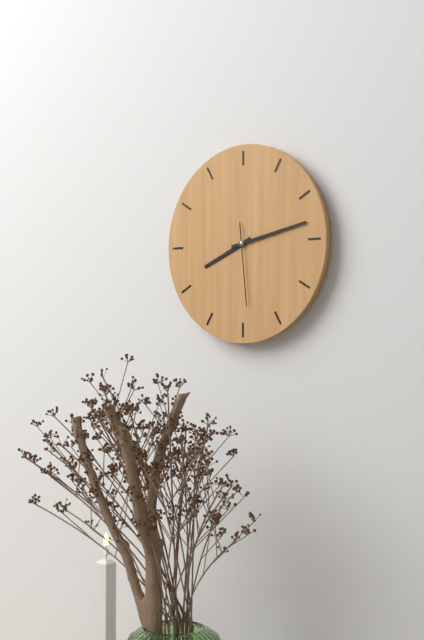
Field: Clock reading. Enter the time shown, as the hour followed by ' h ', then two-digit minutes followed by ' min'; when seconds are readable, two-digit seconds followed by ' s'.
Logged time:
8 h 13 min 29 s
